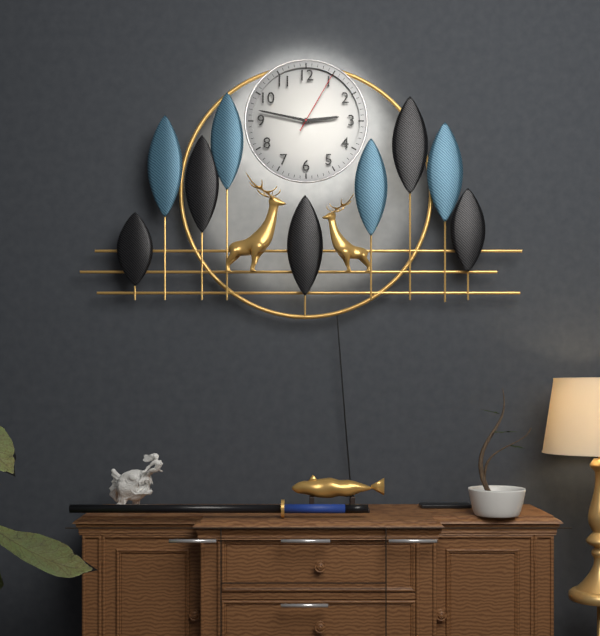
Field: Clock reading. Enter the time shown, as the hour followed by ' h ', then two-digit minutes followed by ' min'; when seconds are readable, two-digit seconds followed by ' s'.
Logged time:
2 h 47 min 05 s
